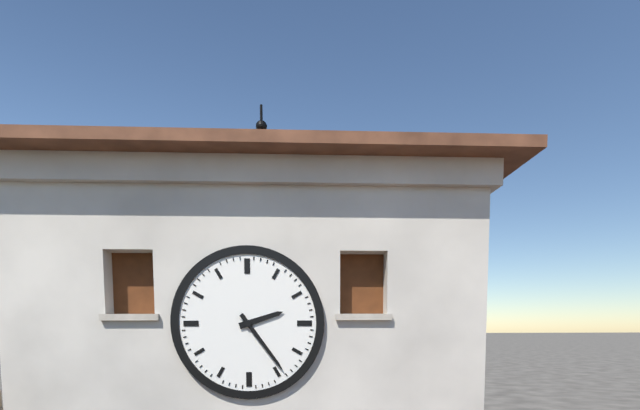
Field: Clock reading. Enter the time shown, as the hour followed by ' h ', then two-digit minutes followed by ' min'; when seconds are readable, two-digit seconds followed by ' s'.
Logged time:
2 h 24 min
